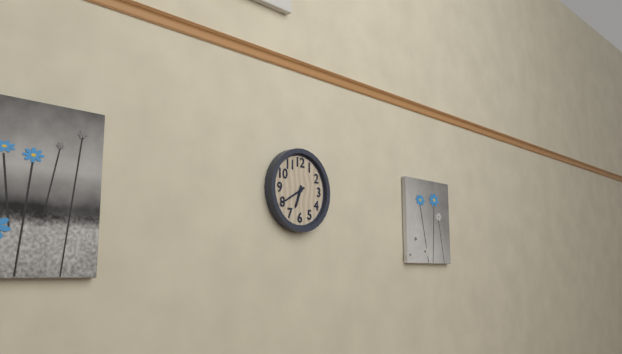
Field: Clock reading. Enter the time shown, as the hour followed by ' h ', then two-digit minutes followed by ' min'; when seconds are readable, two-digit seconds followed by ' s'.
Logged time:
6 h 40 min
